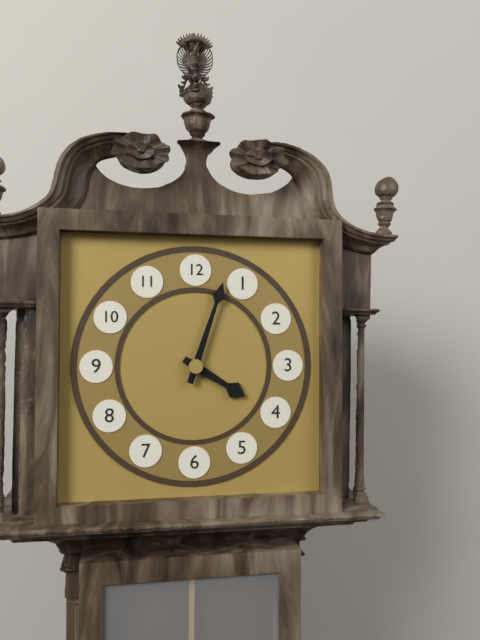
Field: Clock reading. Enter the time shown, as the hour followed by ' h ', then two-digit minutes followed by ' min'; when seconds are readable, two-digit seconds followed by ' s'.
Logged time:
4 h 03 min
